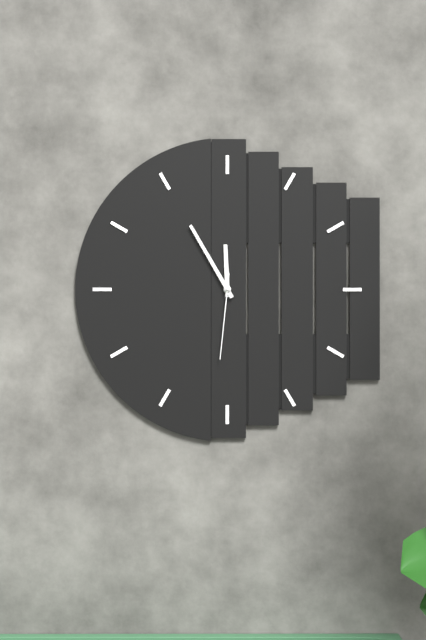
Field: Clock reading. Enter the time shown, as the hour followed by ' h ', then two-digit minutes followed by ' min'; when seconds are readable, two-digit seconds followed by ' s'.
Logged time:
11 h 55 min 31 s
